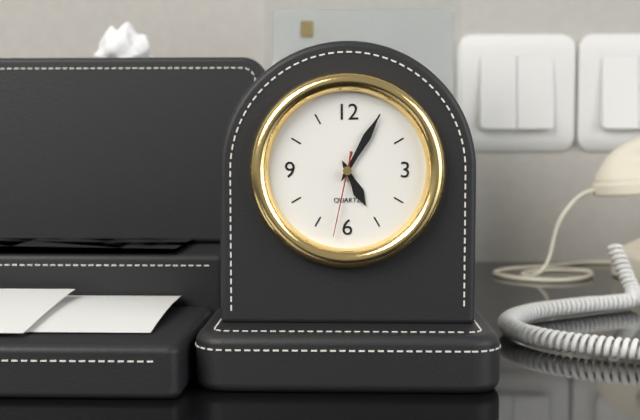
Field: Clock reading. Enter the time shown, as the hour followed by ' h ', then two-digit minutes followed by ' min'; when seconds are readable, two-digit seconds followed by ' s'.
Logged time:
5 h 05 min 32 s
